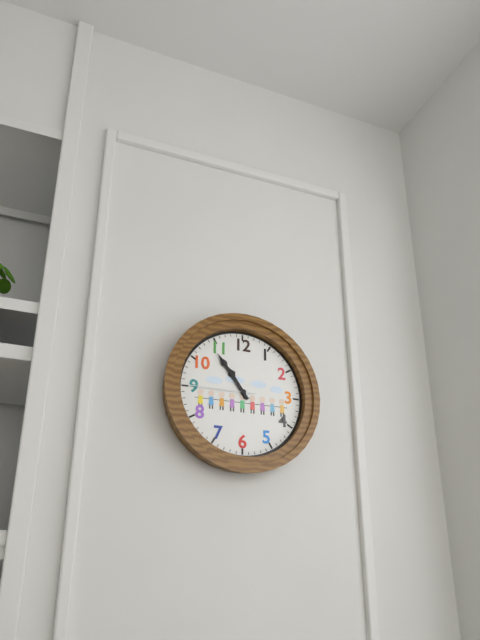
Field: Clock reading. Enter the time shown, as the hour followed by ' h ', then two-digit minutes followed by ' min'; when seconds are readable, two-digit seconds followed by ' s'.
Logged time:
10 h 54 min 45 s
